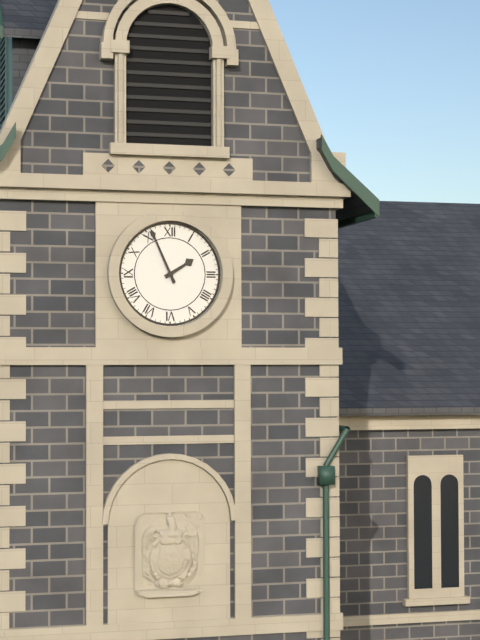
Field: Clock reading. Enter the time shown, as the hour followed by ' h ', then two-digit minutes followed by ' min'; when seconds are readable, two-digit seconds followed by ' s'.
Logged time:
1 h 56 min
